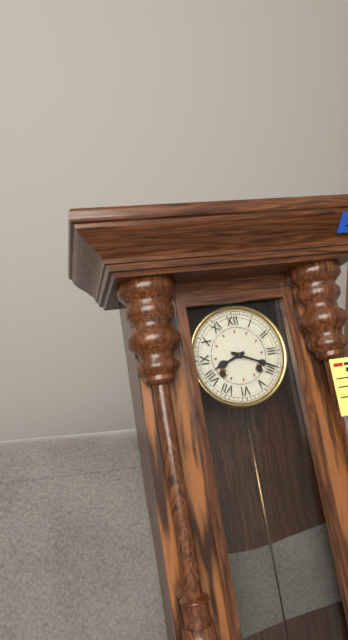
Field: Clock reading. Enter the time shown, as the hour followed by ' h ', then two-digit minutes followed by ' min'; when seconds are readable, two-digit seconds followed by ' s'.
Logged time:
8 h 19 min
